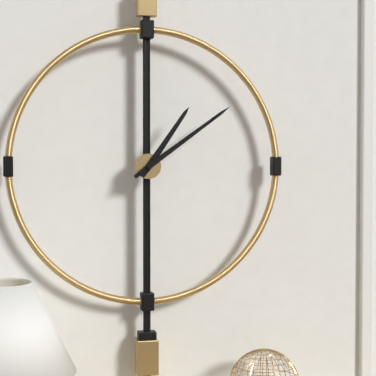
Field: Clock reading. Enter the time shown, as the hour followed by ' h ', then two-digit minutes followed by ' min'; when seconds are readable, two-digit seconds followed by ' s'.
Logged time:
1 h 09 min
